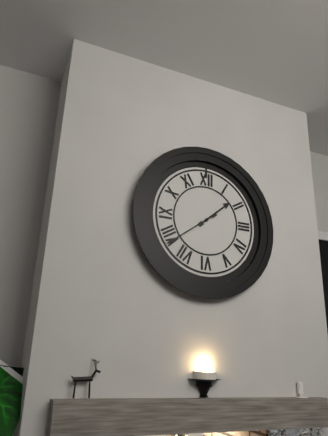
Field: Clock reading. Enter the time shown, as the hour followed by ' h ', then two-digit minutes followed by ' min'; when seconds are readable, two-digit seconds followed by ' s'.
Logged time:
1 h 39 min
